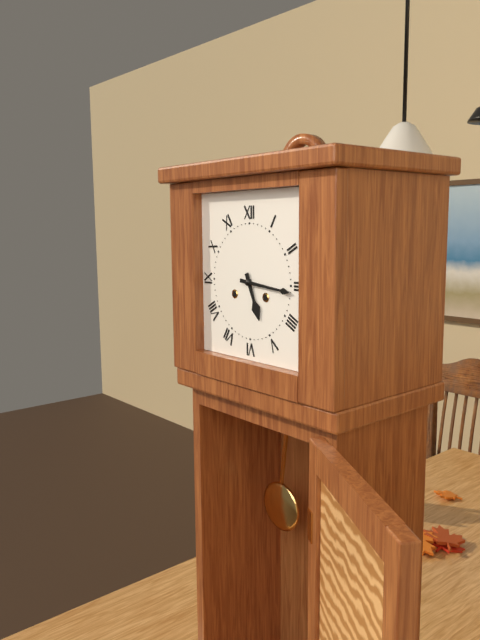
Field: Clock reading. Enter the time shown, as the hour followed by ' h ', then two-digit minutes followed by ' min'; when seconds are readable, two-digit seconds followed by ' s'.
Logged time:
5 h 16 min
